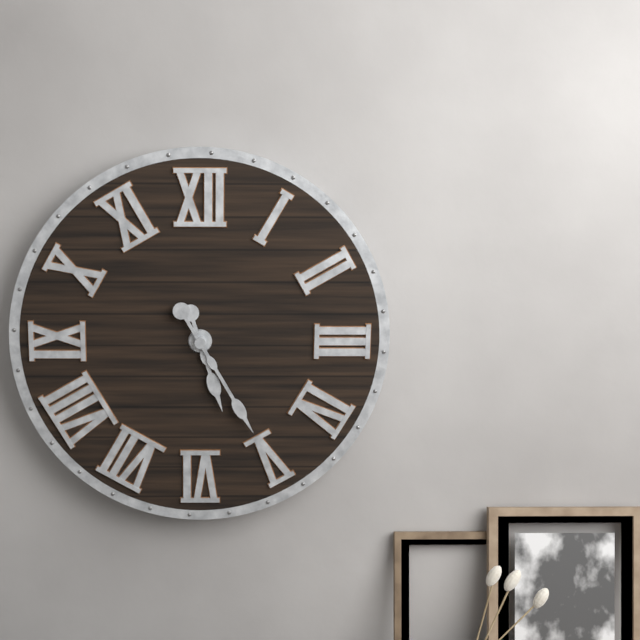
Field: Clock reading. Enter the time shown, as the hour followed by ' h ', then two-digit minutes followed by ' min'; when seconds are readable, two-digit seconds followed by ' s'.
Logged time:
5 h 25 min
